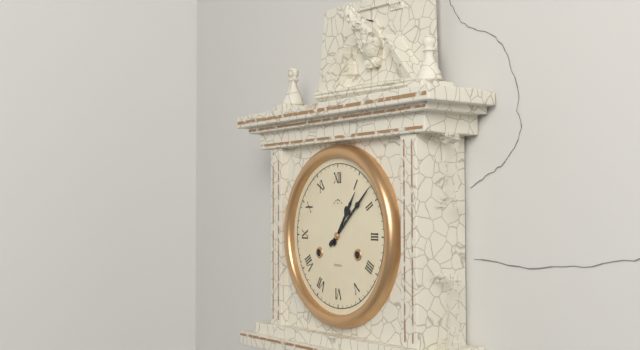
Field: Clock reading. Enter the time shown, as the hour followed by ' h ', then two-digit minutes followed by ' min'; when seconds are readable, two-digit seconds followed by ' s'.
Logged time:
1 h 08 min
